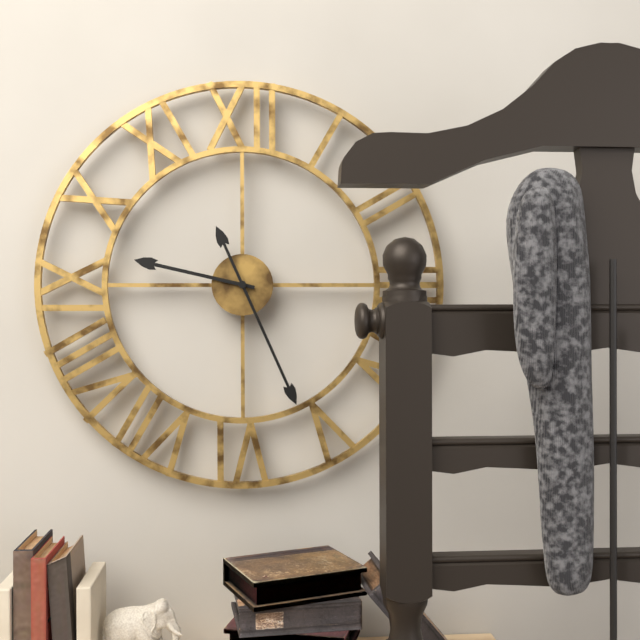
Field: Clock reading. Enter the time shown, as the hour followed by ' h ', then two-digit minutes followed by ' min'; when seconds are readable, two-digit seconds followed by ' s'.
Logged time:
9 h 26 min
